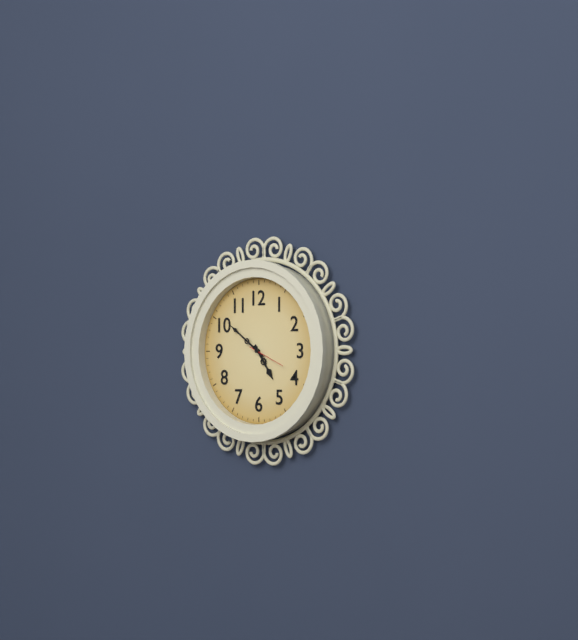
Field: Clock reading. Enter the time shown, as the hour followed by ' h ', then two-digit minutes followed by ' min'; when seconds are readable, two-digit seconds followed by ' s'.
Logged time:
4 h 51 min
